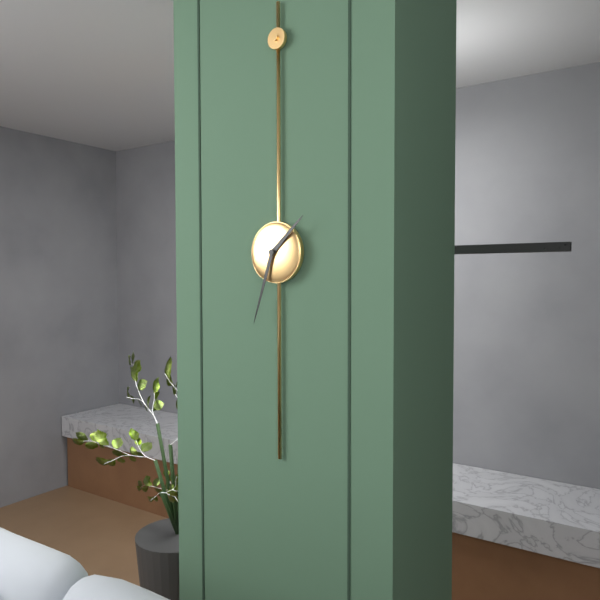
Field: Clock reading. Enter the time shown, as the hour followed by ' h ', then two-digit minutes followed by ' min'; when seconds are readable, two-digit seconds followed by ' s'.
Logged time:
1 h 33 min
